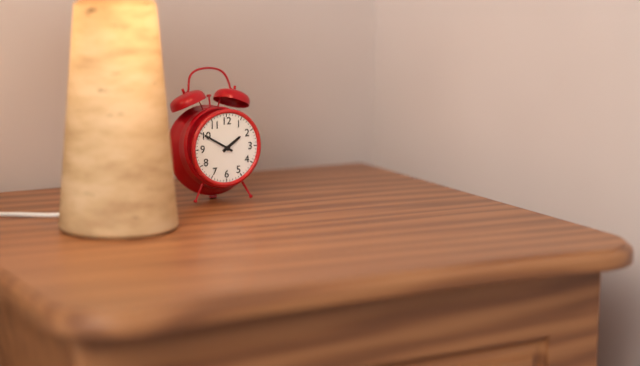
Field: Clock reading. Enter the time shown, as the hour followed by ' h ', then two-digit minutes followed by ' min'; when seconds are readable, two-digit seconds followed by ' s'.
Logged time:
1 h 50 min
